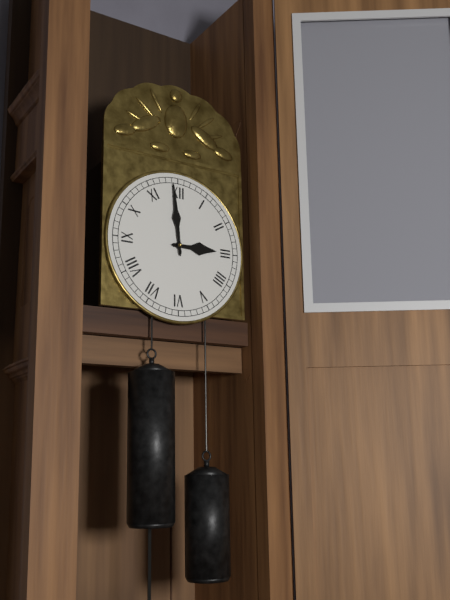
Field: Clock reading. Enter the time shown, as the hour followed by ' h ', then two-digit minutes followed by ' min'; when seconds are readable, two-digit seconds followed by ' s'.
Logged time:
2 h 59 min
